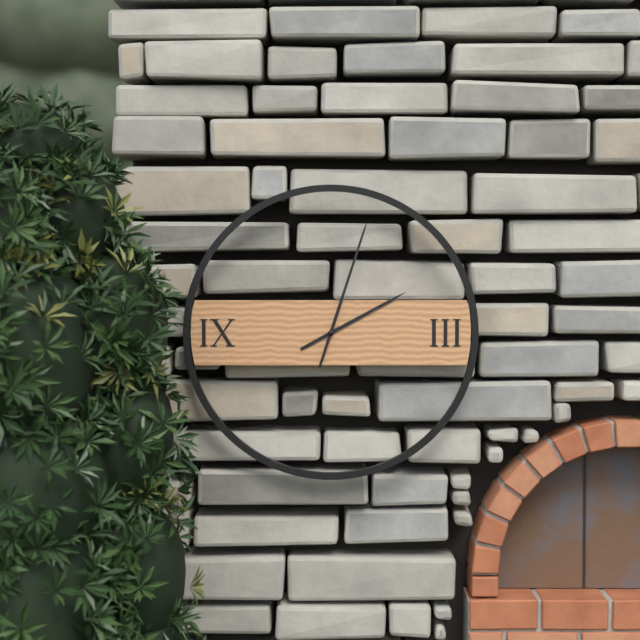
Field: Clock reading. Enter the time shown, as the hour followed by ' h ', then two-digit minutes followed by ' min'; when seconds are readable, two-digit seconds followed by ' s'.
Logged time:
2 h 03 min
